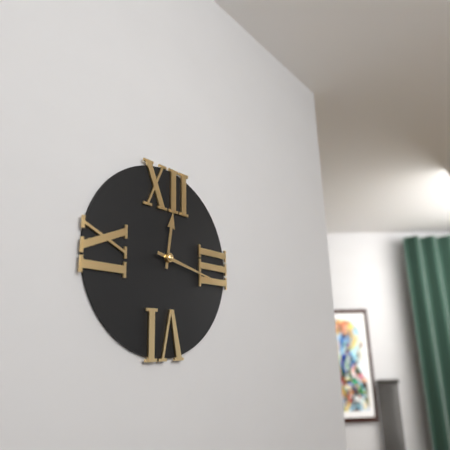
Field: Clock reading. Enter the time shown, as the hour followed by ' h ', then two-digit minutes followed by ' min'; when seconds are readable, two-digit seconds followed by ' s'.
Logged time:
12 h 17 min
